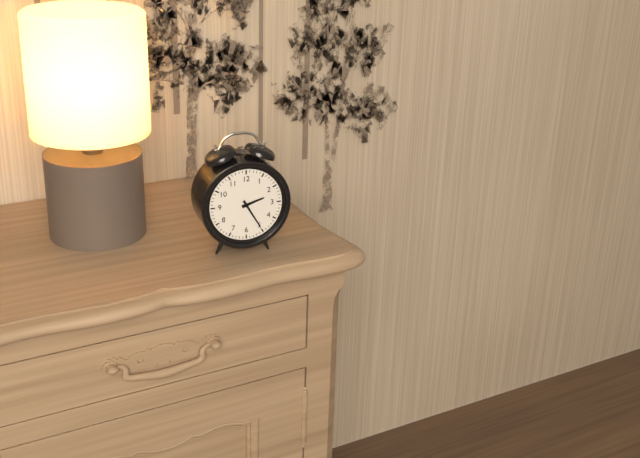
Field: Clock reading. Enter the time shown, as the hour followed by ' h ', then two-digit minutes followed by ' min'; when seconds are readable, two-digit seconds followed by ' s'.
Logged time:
2 h 25 min
